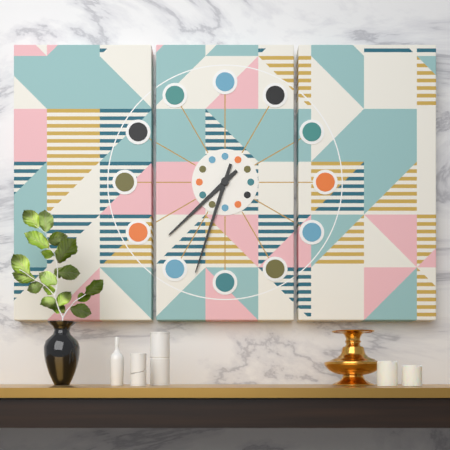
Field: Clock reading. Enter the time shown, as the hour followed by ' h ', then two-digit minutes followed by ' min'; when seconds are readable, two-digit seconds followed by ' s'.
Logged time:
7 h 33 min
